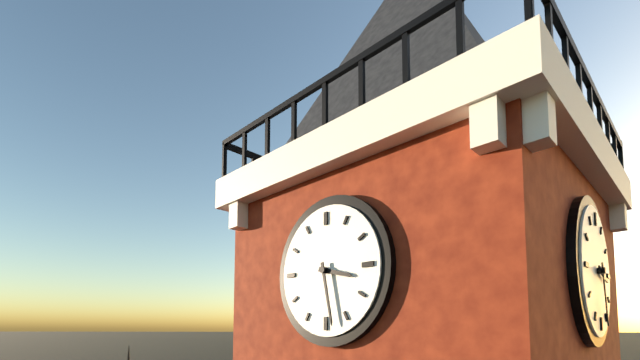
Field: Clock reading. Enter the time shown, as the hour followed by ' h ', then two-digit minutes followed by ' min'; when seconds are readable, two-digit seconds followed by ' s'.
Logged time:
3 h 28 min
